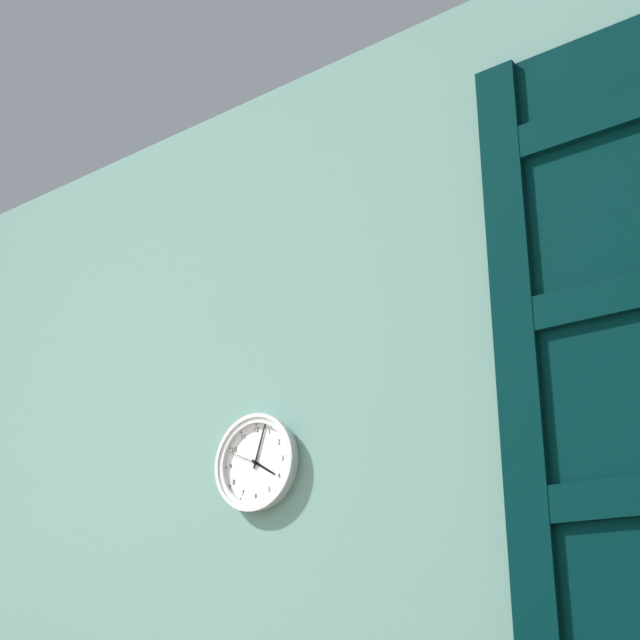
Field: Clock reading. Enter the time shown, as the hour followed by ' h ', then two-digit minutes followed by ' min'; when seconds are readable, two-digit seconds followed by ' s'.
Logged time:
4 h 03 min
